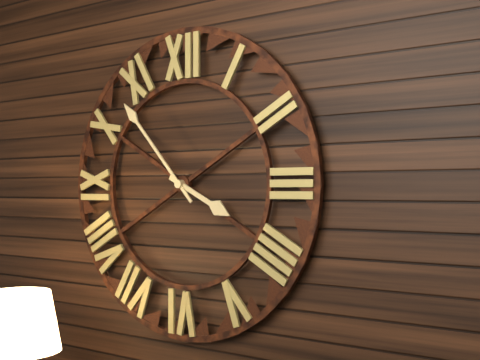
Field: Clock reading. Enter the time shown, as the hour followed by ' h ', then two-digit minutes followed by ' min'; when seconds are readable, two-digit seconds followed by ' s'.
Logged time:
3 h 53 min
